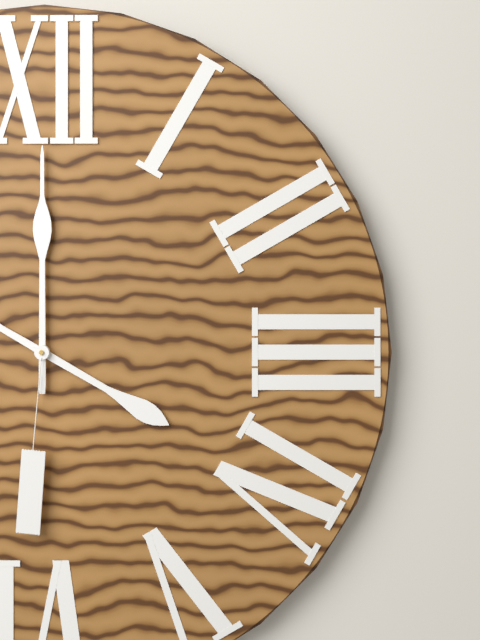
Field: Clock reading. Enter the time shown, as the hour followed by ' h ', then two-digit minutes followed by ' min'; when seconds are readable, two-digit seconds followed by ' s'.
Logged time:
4 h 00 min
